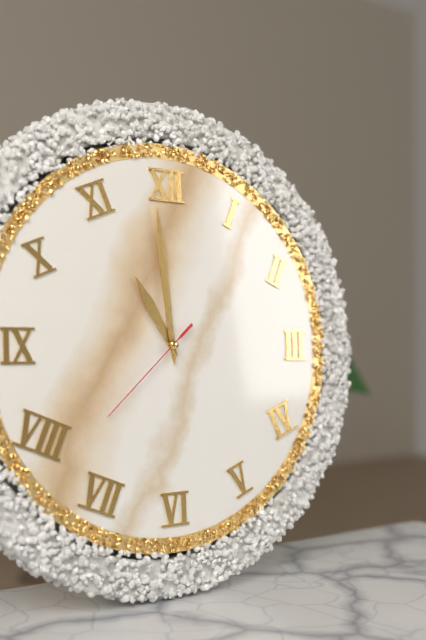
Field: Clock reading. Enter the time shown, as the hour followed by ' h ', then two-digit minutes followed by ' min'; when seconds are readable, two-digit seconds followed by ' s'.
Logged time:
10 h 59 min 38 s
